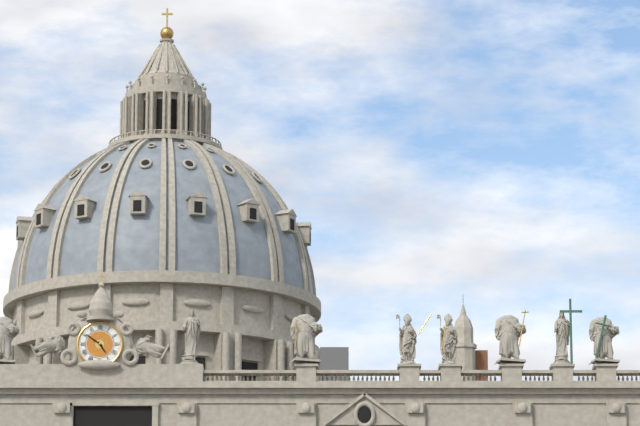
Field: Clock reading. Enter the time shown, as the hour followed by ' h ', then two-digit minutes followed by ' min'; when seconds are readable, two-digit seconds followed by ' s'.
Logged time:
4 h 51 min
